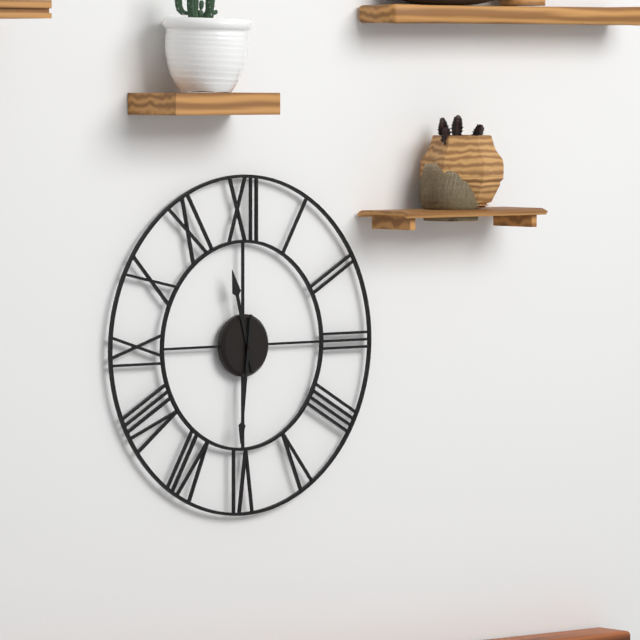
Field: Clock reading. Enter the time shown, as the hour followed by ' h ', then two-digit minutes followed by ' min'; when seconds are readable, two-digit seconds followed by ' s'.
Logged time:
11 h 31 min
